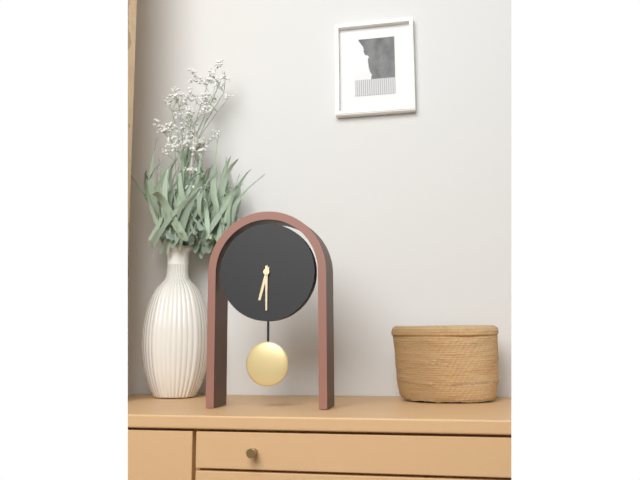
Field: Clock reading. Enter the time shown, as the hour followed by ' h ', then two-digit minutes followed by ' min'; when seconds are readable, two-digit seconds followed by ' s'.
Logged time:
6 h 30 min
